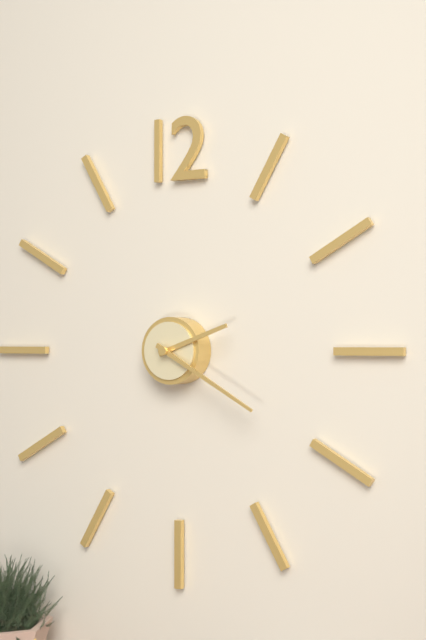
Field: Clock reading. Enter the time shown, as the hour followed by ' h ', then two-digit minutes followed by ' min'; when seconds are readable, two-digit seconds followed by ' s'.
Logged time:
2 h 20 min
